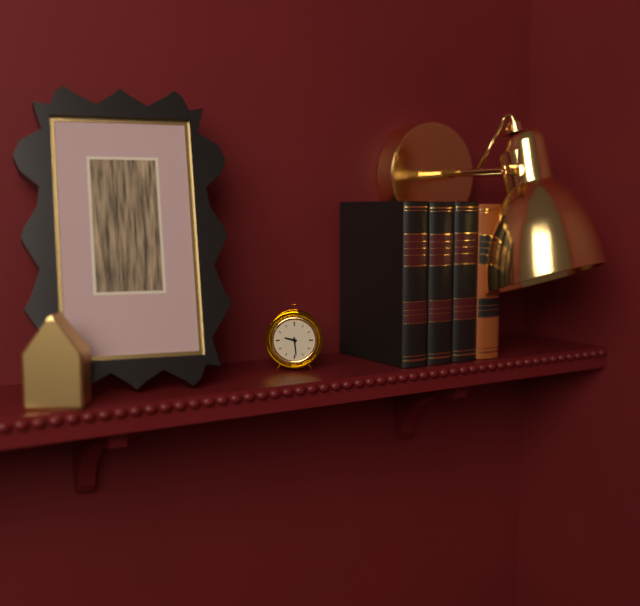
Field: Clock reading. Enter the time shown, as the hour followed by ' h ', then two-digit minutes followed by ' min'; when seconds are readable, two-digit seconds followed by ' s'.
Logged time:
9 h 29 min
